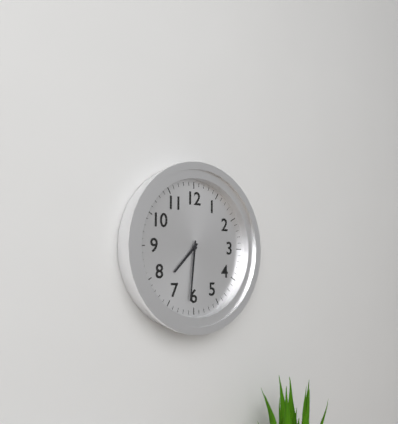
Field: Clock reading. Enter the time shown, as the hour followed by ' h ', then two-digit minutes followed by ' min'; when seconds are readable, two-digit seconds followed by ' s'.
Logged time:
7 h 31 min
